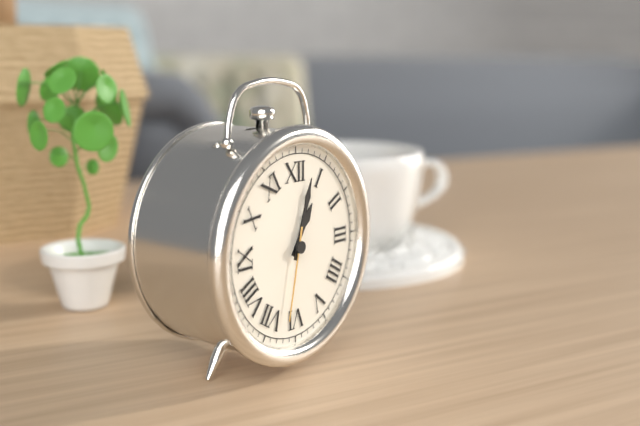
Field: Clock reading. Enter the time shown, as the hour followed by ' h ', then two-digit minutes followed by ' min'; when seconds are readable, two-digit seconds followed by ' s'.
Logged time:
1 h 03 min 32 s
